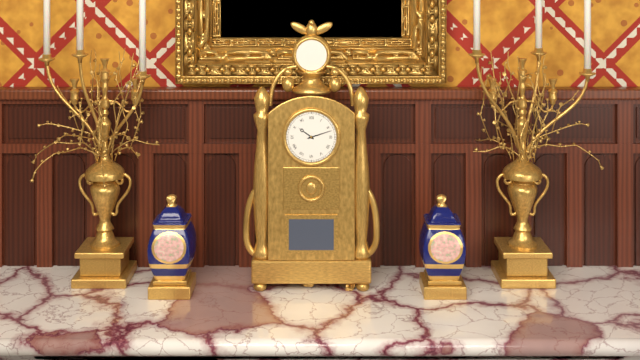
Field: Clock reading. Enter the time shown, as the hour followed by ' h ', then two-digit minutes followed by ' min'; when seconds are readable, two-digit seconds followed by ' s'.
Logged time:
10 h 12 min
